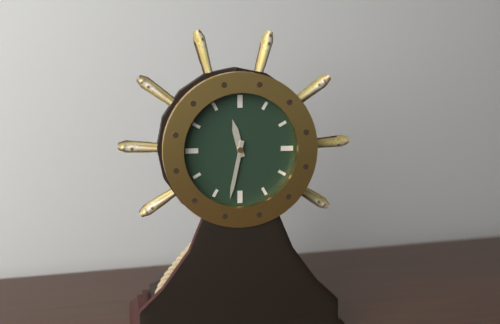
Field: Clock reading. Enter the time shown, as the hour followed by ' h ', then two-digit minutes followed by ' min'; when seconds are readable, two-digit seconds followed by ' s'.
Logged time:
11 h 32 min
